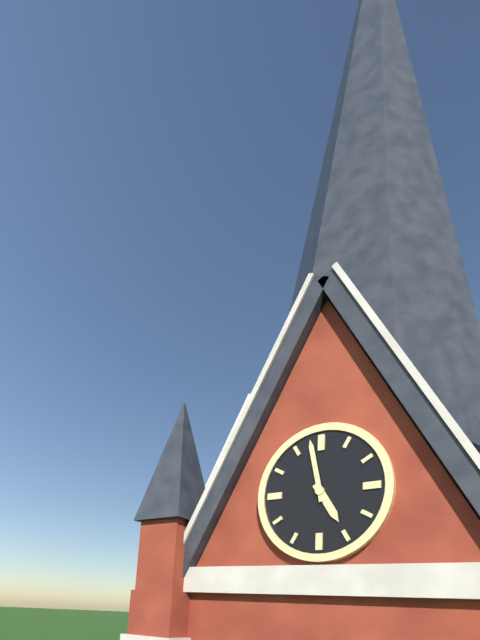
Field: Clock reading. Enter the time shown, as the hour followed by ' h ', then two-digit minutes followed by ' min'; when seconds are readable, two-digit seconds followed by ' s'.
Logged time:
4 h 58 min
